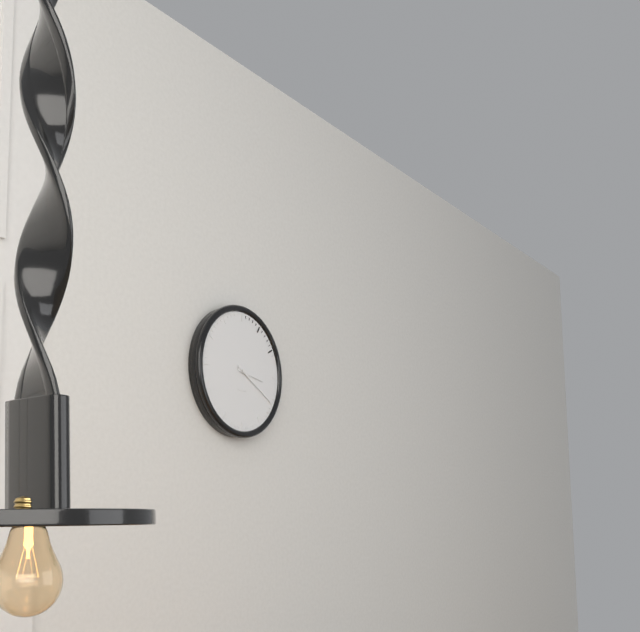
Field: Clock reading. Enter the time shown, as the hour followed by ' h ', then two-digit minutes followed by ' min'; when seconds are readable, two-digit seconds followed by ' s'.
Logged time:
3 h 20 min
